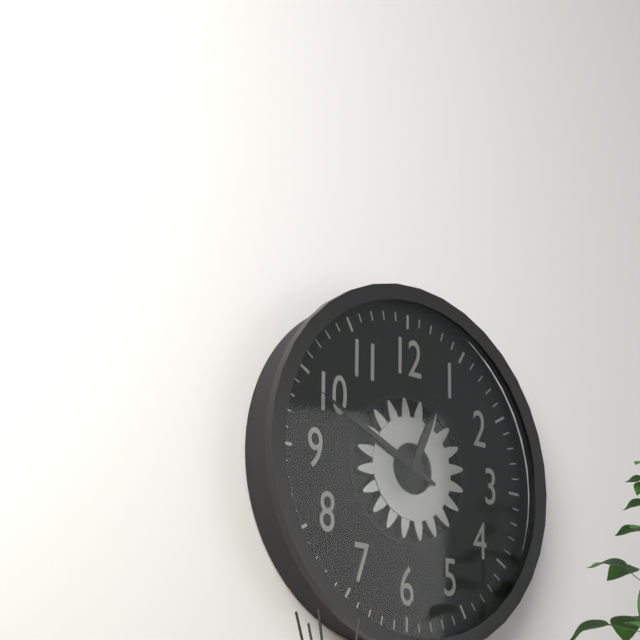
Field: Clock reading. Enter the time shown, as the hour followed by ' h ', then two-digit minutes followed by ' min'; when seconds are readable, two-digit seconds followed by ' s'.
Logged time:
12 h 49 min
